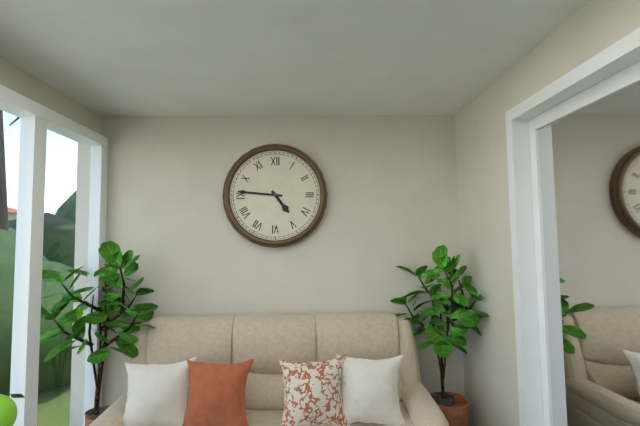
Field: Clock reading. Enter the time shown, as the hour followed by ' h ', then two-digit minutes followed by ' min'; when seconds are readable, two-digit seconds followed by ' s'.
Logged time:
4 h 46 min
